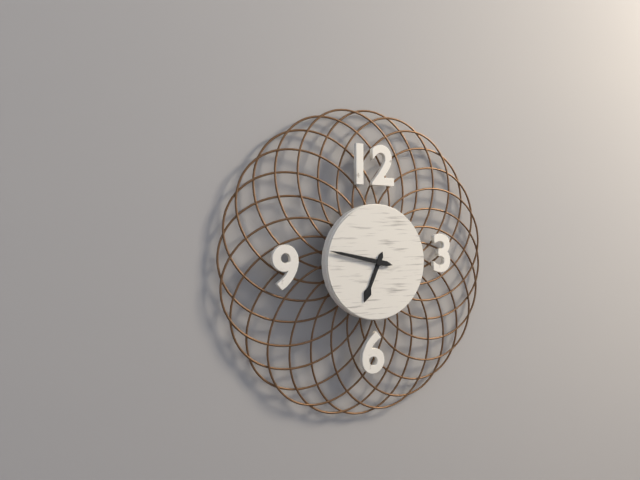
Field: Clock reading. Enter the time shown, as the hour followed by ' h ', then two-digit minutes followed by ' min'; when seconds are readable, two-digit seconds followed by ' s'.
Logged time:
6 h 47 min
